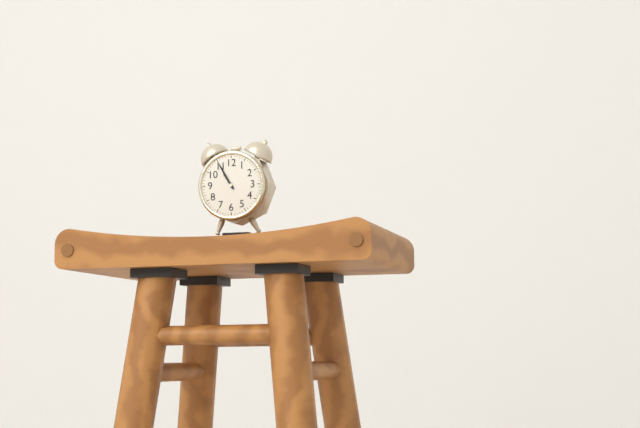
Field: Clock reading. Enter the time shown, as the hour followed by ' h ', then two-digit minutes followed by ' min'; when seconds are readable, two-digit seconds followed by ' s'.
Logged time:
10 h 55 min
